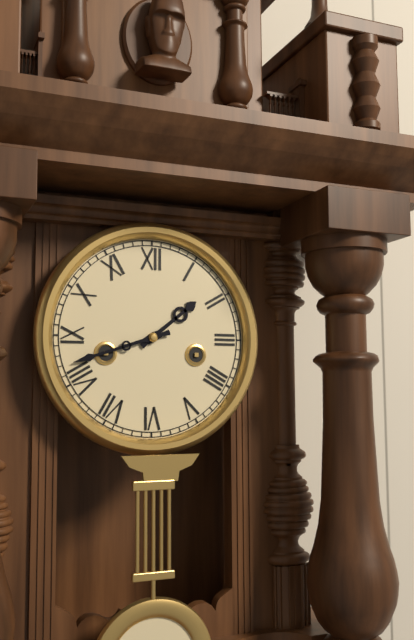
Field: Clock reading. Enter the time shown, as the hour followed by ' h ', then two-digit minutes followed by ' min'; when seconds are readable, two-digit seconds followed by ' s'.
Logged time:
1 h 42 min
